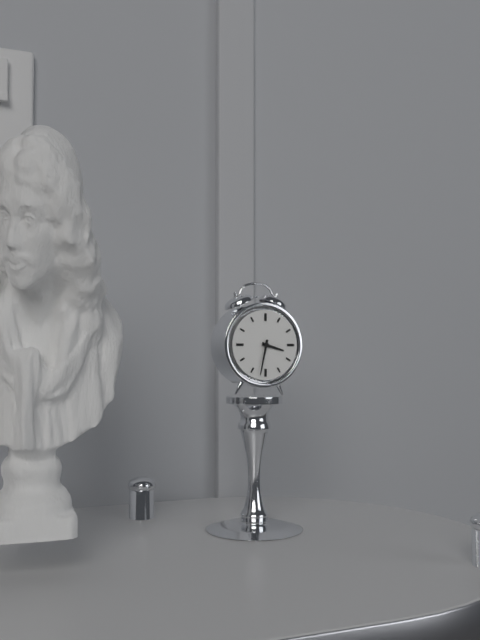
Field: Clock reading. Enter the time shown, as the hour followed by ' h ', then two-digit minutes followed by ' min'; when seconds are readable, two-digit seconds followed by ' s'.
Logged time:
3 h 32 min
